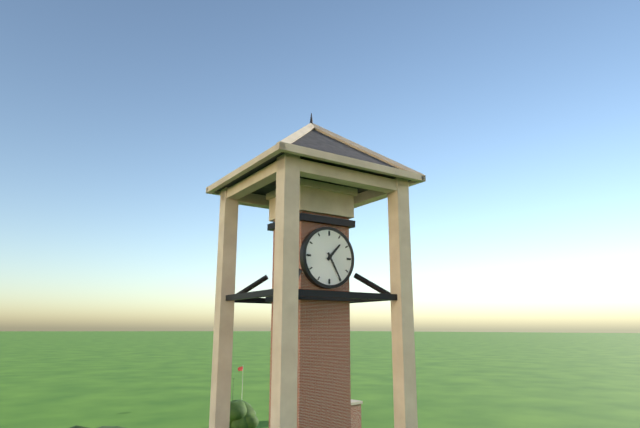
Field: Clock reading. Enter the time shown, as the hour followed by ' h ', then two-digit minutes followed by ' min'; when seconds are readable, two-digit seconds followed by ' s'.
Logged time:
1 h 25 min
